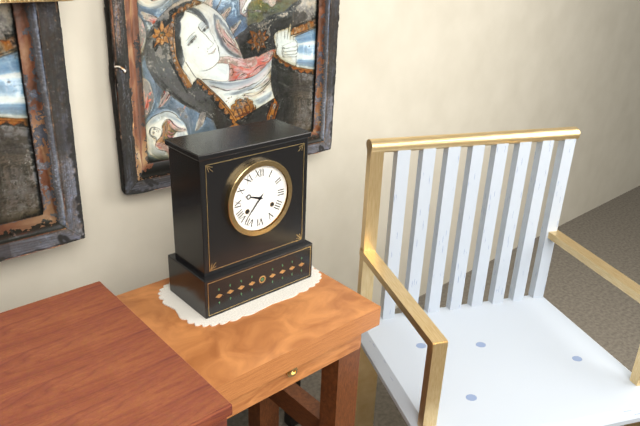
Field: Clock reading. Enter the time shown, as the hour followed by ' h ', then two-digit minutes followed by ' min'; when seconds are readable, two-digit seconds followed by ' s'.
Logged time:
9 h 37 min
